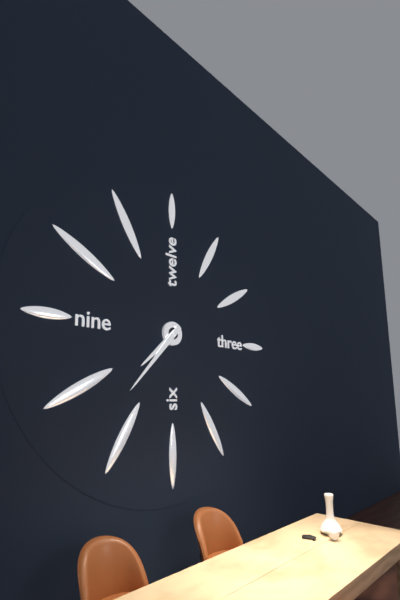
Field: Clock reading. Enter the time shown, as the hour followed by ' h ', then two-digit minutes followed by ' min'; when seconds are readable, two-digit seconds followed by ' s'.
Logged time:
7 h 37 min
